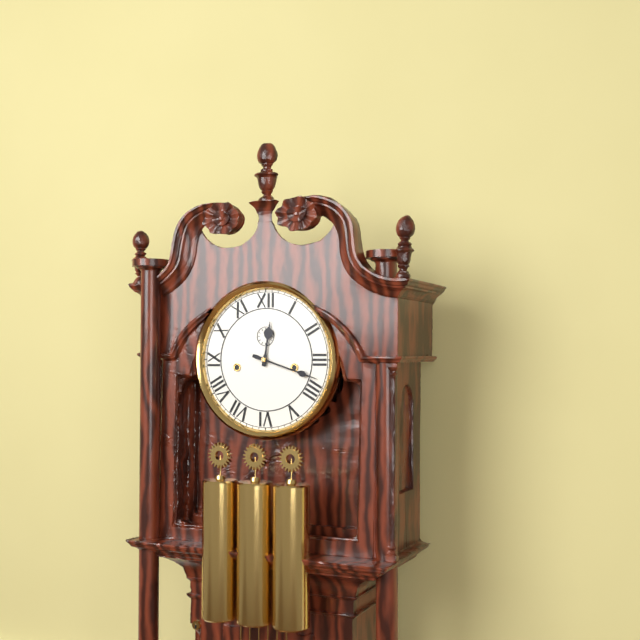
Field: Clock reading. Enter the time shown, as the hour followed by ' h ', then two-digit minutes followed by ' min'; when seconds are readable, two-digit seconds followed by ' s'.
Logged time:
12 h 18 min
